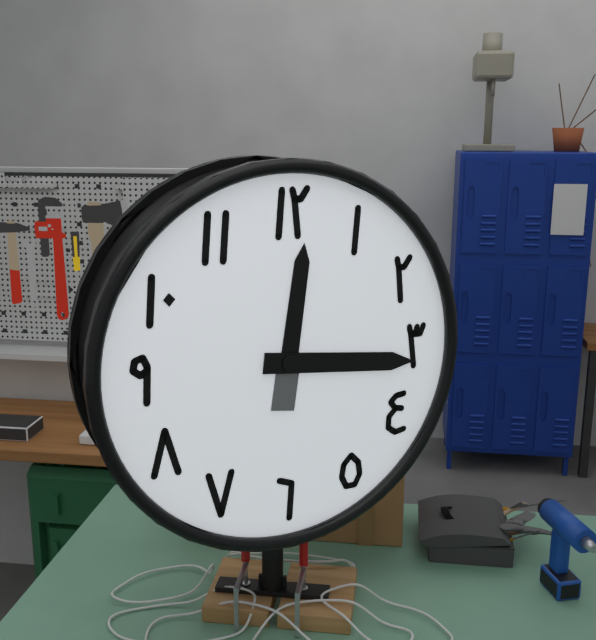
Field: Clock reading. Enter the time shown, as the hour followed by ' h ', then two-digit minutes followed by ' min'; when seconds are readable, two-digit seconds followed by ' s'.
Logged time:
12 h 16 min
